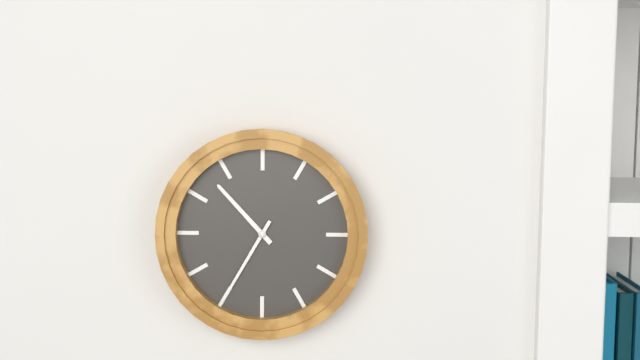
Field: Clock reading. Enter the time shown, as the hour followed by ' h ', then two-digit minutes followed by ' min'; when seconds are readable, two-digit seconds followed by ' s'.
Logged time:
10 h 35 min
